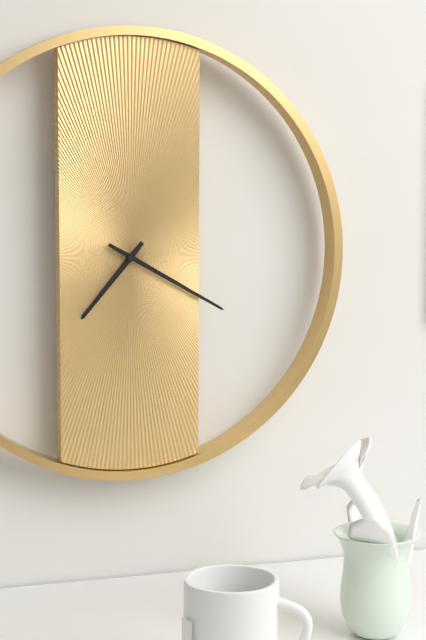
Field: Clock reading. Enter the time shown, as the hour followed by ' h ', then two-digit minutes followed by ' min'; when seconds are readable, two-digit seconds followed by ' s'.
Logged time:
7 h 20 min
